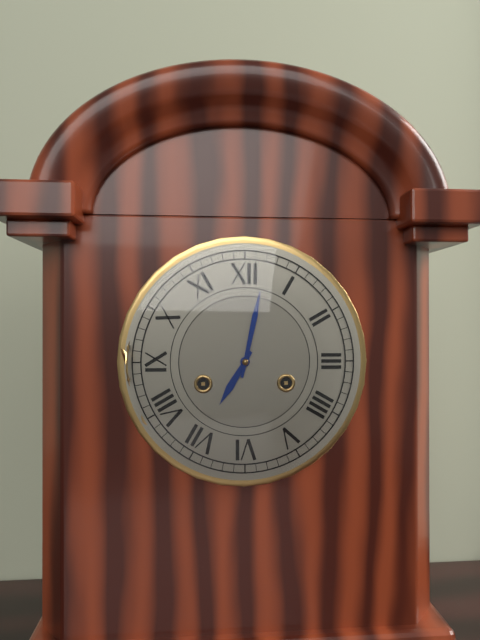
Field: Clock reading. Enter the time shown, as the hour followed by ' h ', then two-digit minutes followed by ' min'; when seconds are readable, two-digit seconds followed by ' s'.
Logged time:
7 h 02 min
